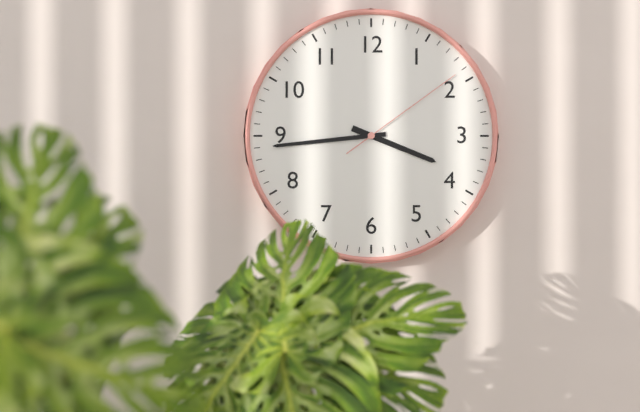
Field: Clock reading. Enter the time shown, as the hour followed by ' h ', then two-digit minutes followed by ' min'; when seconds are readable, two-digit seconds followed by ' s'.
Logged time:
3 h 44 min 09 s
